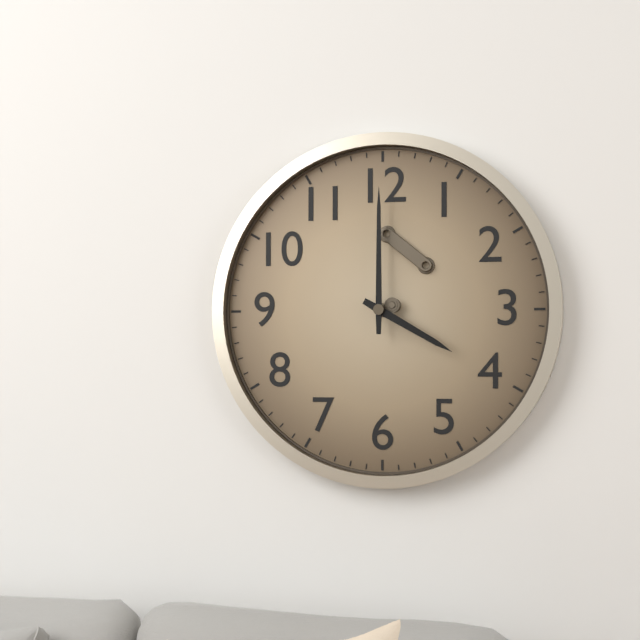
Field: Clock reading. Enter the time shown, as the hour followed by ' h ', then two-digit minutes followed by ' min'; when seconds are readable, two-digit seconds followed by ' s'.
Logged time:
4 h 00 min
